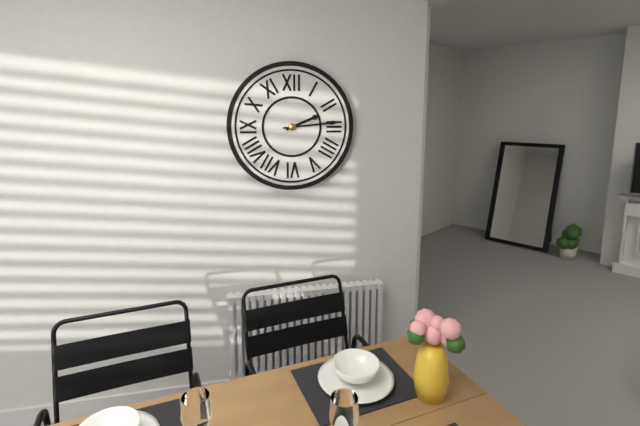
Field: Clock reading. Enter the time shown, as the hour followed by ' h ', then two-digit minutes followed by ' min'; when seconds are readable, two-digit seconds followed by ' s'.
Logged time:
2 h 14 min
